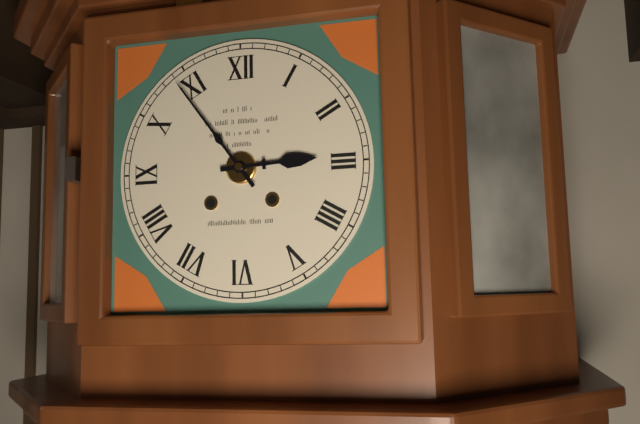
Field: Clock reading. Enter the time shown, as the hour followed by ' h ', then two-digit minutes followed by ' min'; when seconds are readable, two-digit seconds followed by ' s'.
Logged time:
2 h 54 min
